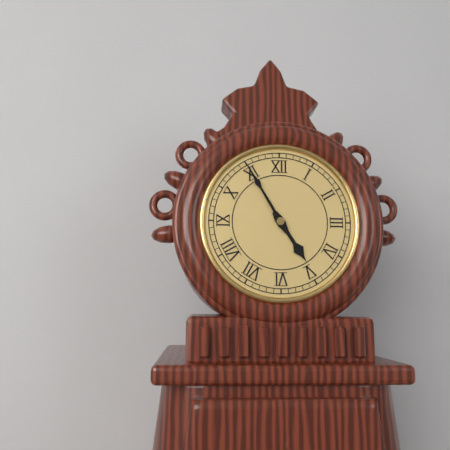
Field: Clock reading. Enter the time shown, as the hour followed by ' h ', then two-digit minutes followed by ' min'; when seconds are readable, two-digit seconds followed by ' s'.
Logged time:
4 h 55 min
